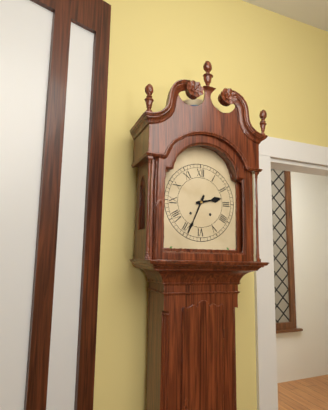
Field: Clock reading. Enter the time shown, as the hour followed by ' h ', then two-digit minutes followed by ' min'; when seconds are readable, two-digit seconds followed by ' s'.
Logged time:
2 h 34 min
